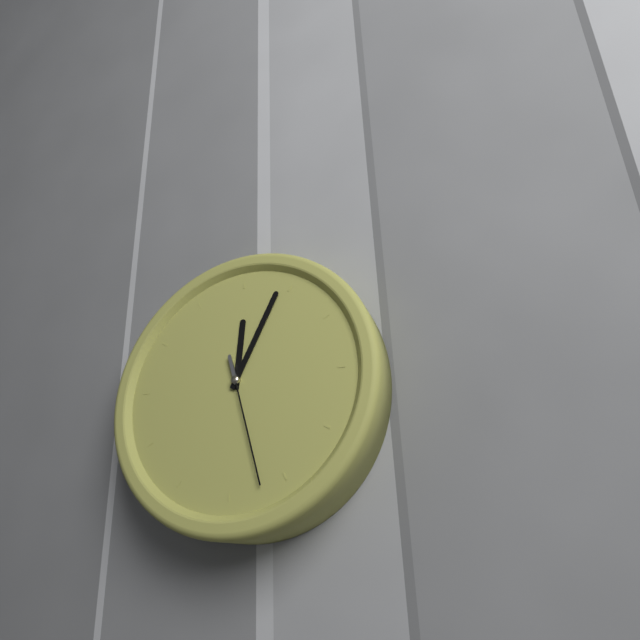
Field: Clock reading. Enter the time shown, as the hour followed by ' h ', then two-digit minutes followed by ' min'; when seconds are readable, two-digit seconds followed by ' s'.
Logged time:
12 h 04 min 27 s
